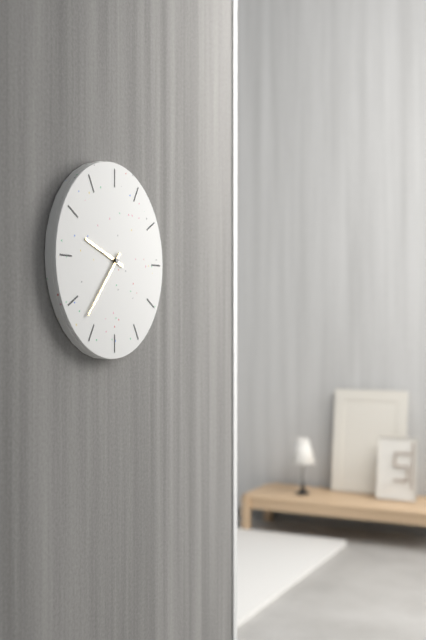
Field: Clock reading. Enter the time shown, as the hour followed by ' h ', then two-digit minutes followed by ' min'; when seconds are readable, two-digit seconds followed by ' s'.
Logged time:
9 h 37 min
